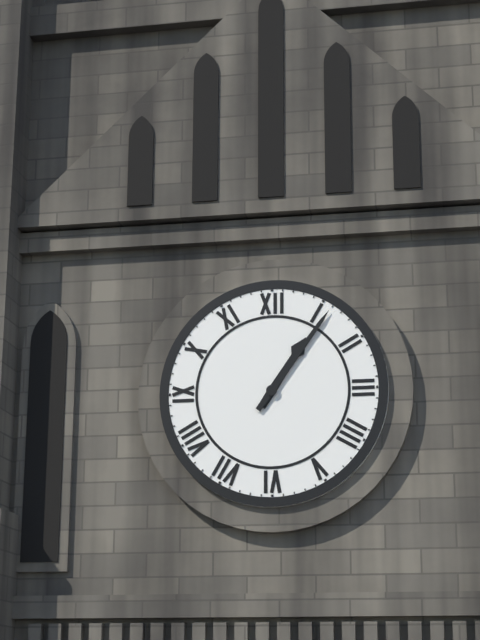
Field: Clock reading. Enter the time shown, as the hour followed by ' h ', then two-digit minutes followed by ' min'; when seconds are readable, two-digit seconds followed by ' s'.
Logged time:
1 h 06 min
